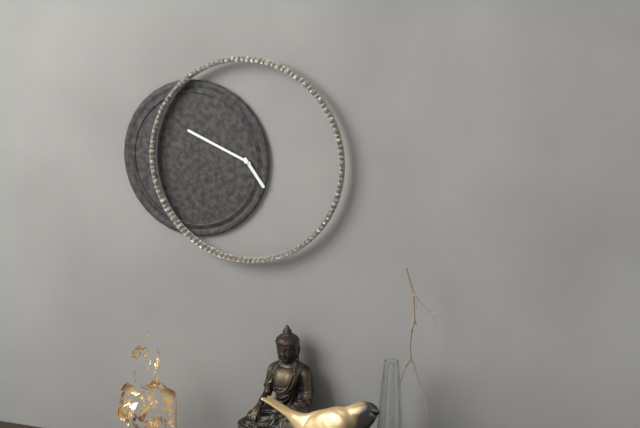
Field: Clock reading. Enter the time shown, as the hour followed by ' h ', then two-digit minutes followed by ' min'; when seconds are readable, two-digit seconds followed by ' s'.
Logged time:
4 h 49 min
